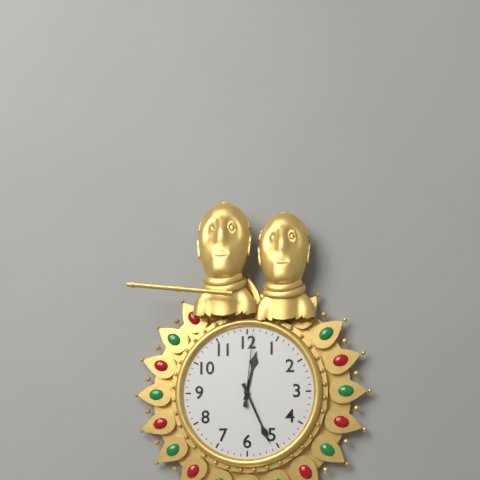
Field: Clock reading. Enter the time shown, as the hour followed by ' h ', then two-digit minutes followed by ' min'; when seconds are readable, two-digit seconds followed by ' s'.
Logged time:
12 h 26 min 01 s
